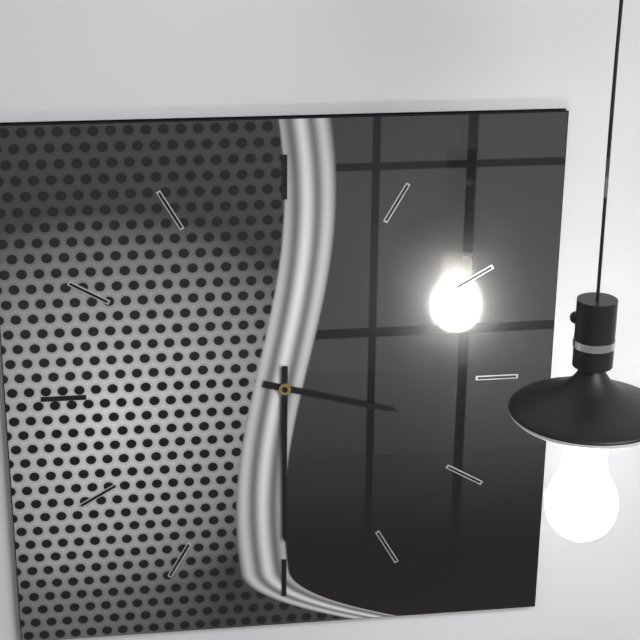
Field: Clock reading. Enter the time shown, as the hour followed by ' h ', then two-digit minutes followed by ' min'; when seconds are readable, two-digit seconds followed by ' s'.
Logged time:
3 h 30 min
